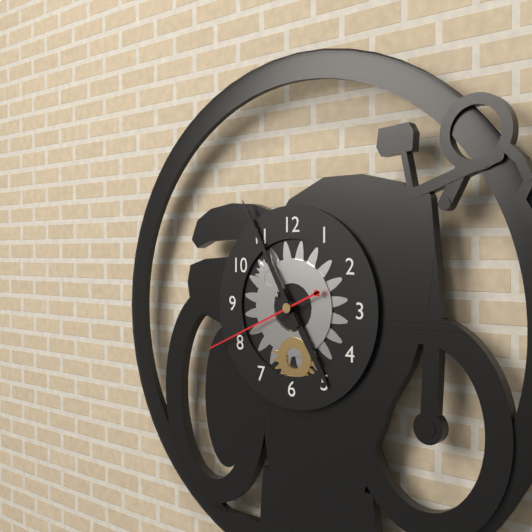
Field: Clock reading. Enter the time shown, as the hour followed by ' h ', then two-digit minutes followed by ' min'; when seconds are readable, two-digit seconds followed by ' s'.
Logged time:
4 h 55 min 41 s
